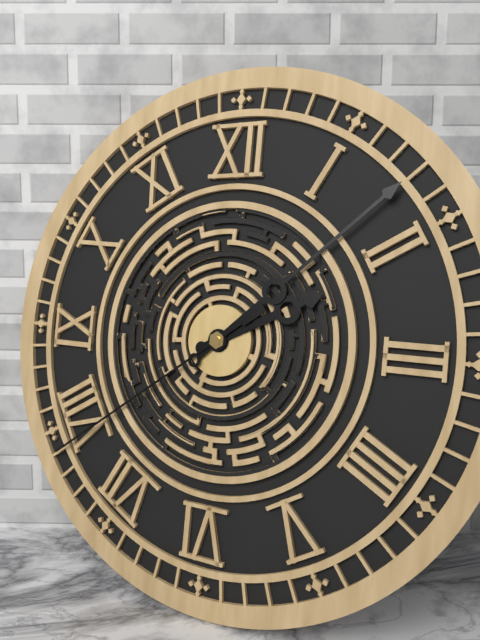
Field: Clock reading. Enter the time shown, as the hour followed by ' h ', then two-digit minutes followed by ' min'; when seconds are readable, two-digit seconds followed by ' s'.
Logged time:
2 h 08 min 39 s
